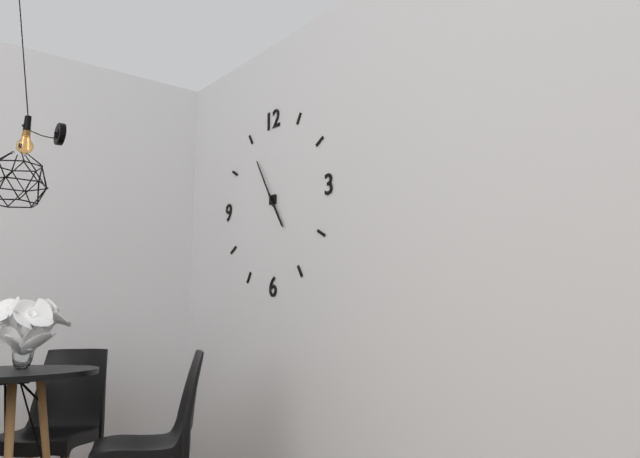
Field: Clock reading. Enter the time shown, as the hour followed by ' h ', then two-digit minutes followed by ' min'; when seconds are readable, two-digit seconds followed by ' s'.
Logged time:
4 h 55 min
